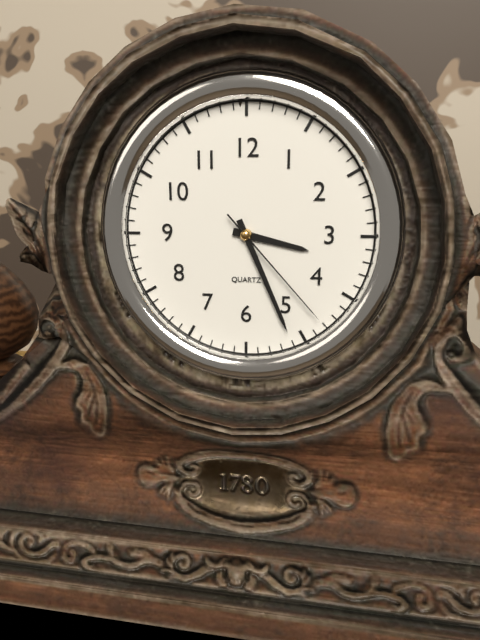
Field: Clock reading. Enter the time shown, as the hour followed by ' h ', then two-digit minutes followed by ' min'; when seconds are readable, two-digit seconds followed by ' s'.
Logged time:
3 h 26 min 23 s
